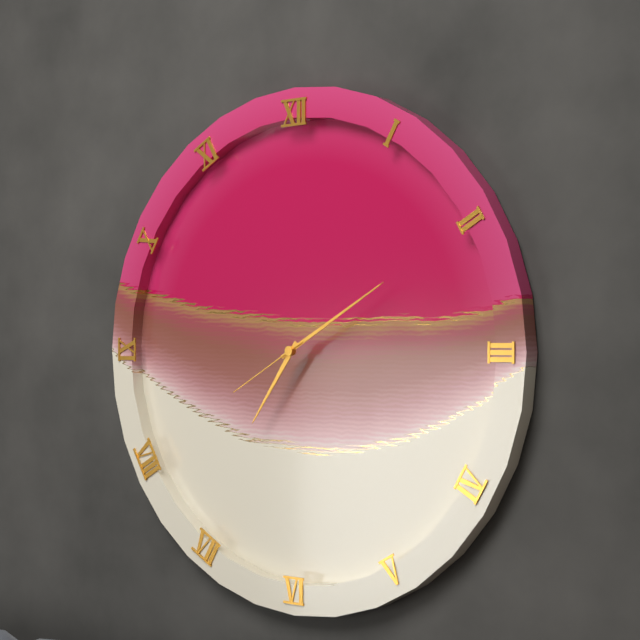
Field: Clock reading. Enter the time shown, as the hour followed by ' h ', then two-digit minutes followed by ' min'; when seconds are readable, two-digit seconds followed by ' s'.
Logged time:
7 h 10 min 40 s
